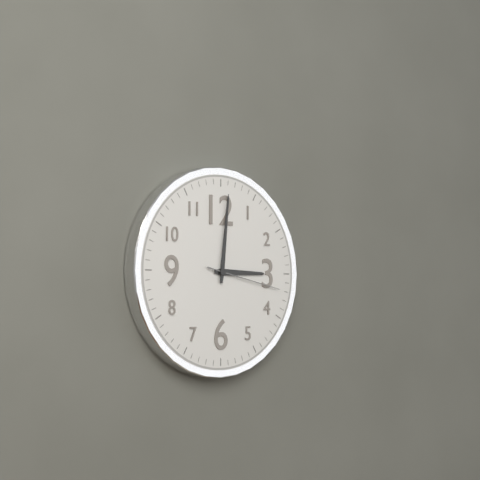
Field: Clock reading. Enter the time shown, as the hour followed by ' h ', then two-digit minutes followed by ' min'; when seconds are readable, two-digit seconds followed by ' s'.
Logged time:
3 h 01 min 17 s
